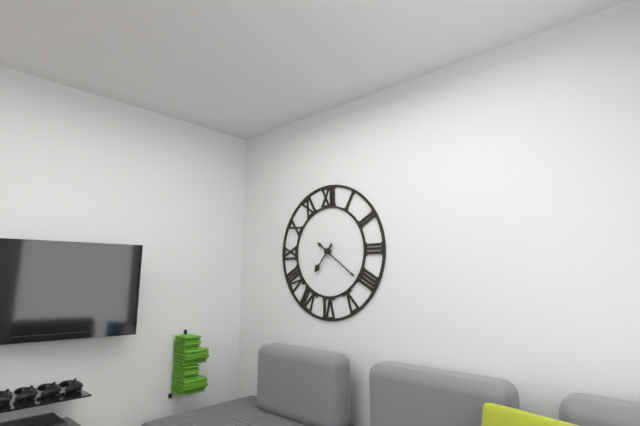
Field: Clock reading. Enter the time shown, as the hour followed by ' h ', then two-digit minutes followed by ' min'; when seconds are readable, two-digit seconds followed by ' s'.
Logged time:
7 h 21 min
